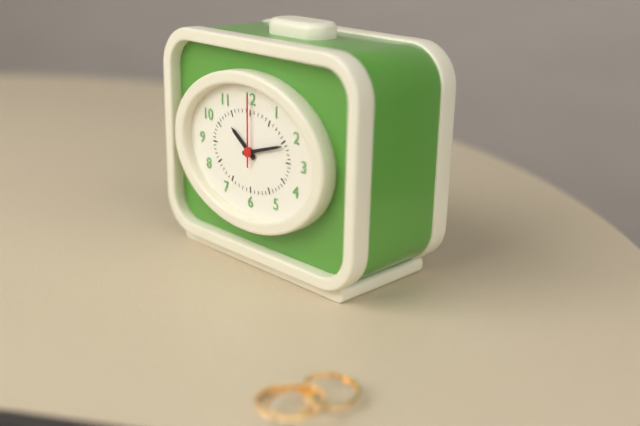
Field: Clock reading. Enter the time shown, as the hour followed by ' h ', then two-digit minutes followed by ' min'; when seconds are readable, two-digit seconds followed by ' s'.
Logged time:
10 h 12 min 00 s
